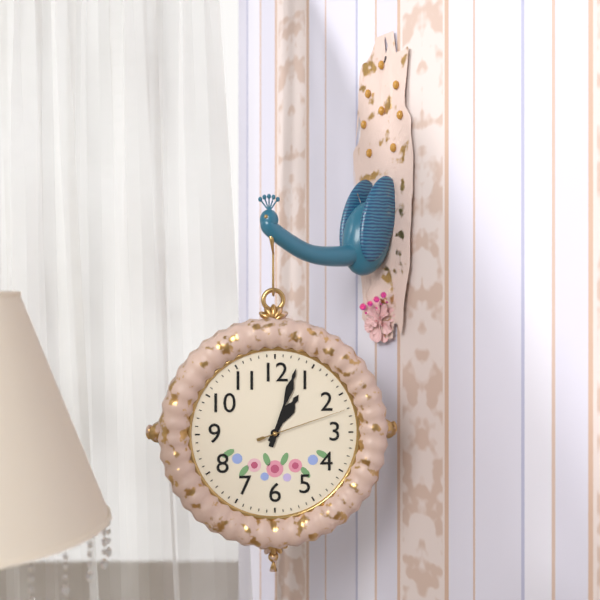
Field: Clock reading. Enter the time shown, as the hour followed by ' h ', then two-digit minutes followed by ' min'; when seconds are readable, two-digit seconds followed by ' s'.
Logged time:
1 h 03 min 12 s
